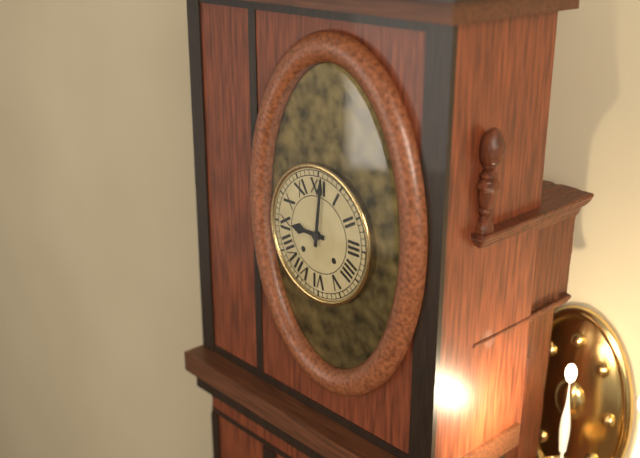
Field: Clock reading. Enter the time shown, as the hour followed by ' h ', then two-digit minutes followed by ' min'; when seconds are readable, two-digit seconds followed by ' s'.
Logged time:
9 h 01 min
